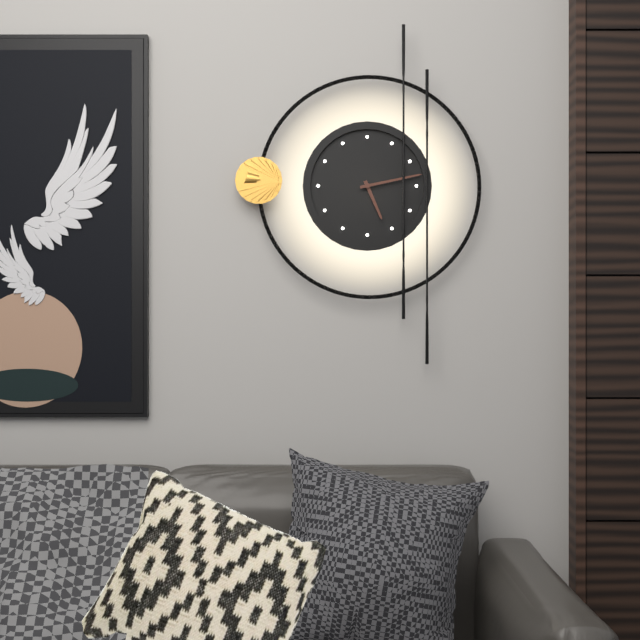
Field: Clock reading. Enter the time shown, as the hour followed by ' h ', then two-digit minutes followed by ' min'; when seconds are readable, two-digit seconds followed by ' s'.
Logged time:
5 h 13 min
